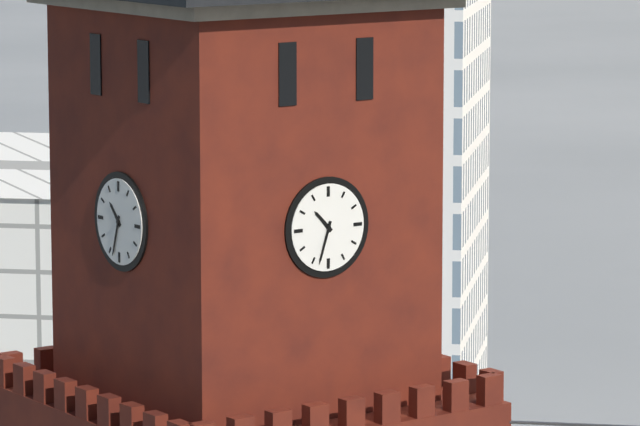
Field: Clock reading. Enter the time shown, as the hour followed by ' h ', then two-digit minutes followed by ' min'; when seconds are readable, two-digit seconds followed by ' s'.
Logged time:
10 h 33 min
